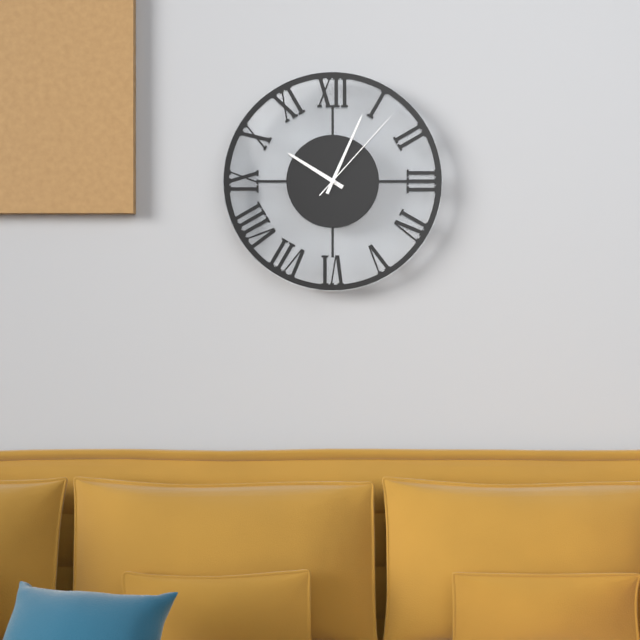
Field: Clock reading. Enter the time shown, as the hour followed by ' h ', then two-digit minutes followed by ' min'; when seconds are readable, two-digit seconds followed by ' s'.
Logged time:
10 h 04 min 07 s
